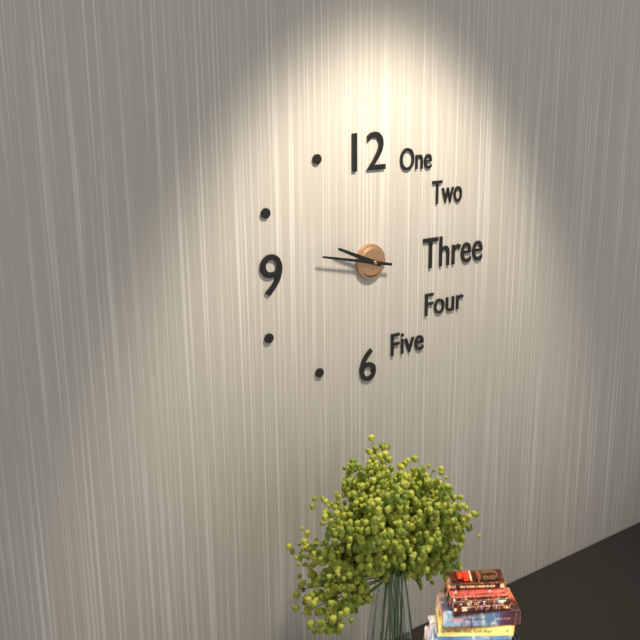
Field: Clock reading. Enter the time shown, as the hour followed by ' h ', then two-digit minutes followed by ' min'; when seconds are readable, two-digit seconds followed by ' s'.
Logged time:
9 h 47 min
